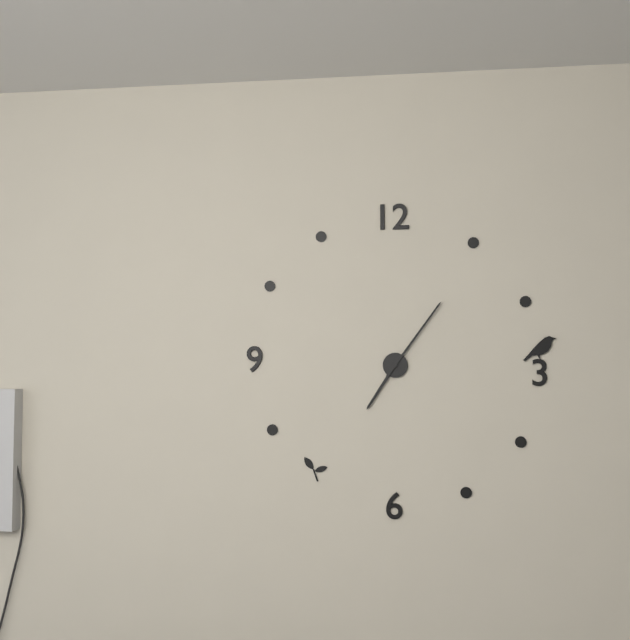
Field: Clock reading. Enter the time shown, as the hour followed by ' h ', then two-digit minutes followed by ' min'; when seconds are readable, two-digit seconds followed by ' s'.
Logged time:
7 h 06 min
